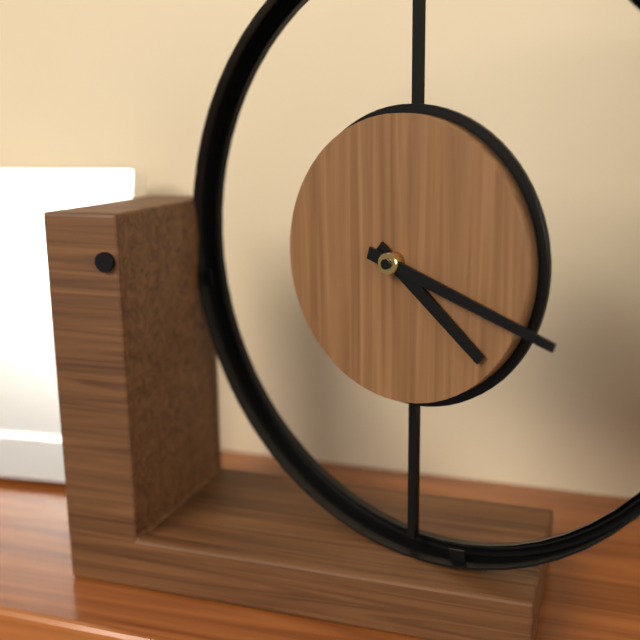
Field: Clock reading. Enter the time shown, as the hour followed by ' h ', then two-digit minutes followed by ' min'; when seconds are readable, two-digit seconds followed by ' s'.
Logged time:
4 h 18 min
